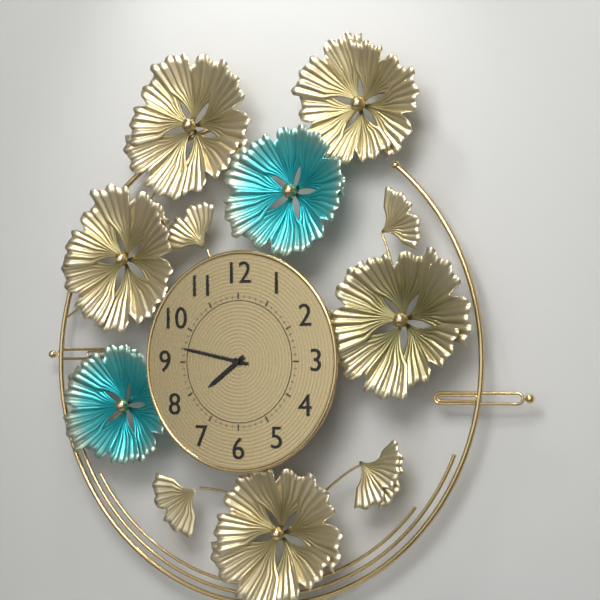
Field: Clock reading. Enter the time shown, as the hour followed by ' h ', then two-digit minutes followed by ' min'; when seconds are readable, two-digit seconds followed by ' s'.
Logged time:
7 h 47 min
